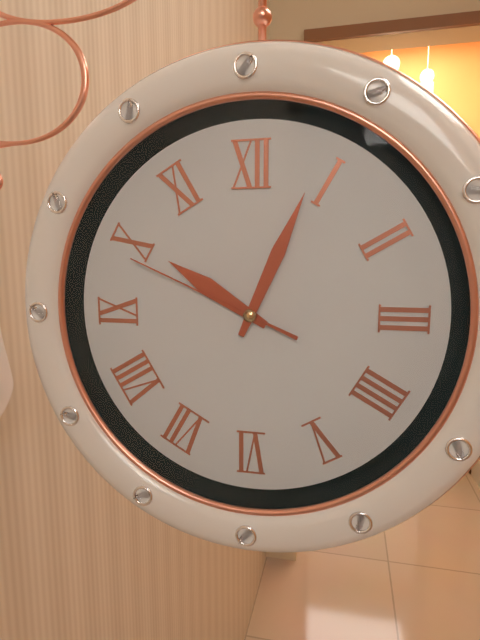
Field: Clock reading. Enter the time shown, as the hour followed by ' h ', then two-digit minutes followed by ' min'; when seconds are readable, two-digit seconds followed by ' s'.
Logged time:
10 h 04 min 49 s
